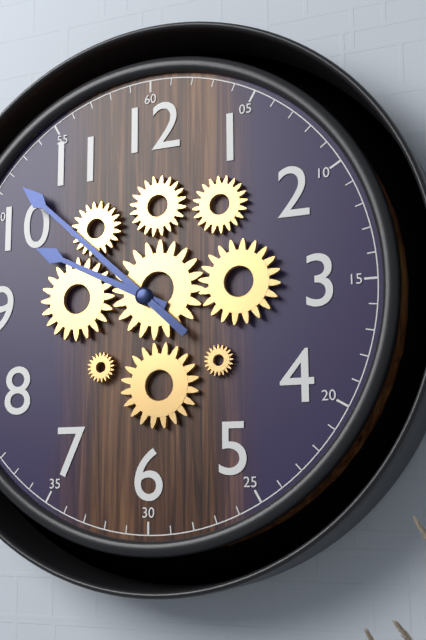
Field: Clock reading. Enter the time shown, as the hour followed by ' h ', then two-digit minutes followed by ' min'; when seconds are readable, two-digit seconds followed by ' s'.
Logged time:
9 h 52 min
